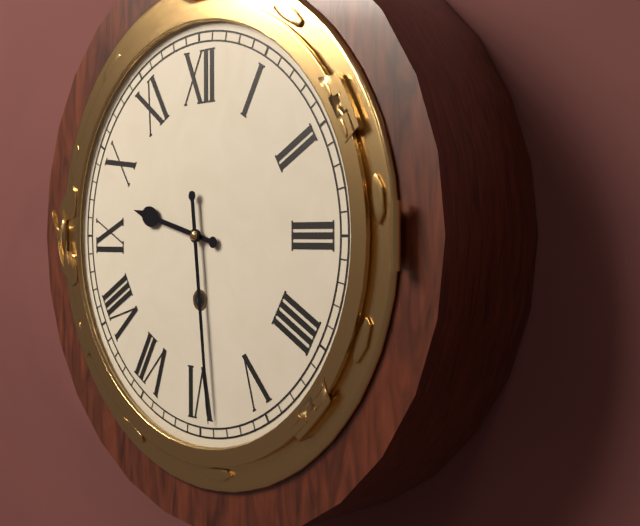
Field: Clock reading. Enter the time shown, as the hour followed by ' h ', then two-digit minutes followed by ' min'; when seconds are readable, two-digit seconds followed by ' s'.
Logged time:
9 h 29 min
